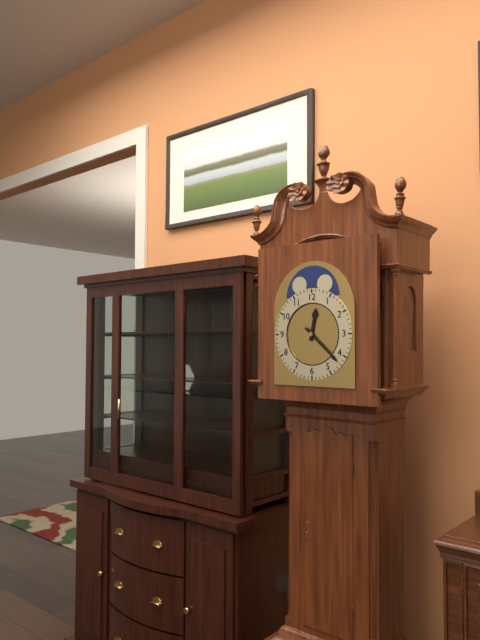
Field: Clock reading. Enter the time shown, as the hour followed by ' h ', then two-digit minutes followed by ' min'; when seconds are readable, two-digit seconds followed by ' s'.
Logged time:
12 h 22 min
